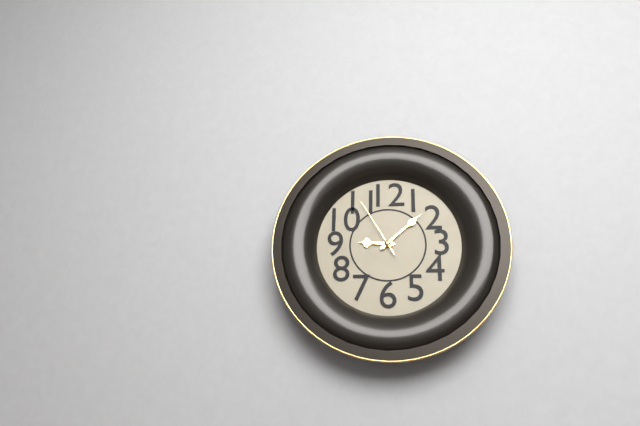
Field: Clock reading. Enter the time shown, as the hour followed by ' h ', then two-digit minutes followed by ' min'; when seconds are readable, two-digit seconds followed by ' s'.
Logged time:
9 h 08 min 55 s
